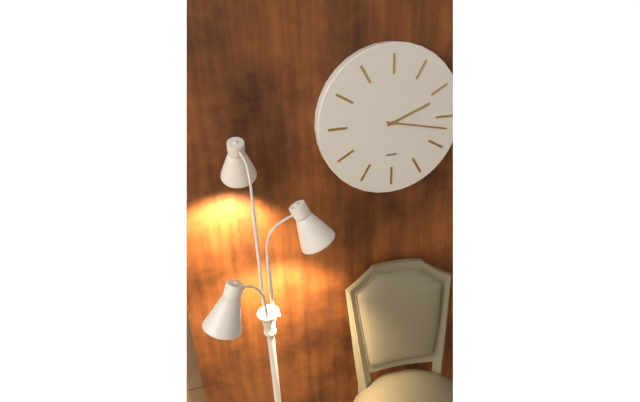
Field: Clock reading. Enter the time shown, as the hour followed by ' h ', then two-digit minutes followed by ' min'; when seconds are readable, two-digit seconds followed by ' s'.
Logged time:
2 h 17 min
